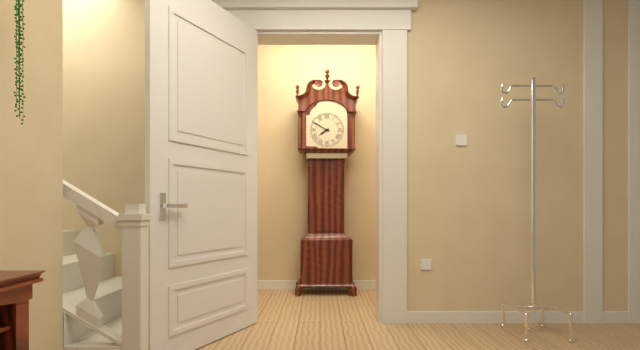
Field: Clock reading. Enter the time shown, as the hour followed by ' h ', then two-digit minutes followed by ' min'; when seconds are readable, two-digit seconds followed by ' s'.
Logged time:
7 h 50 min
